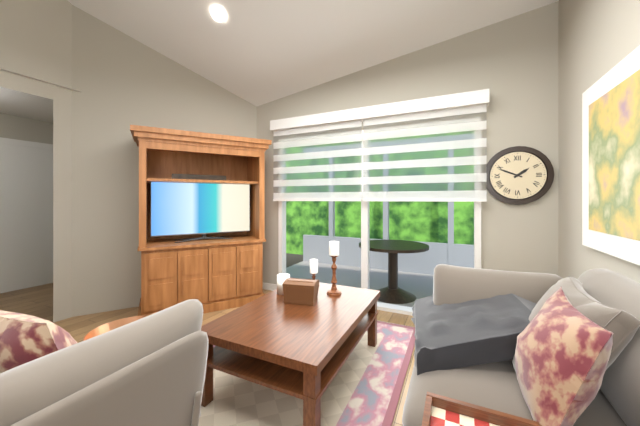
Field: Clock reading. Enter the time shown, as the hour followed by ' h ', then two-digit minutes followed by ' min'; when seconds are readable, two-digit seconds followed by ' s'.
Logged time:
1 h 49 min
